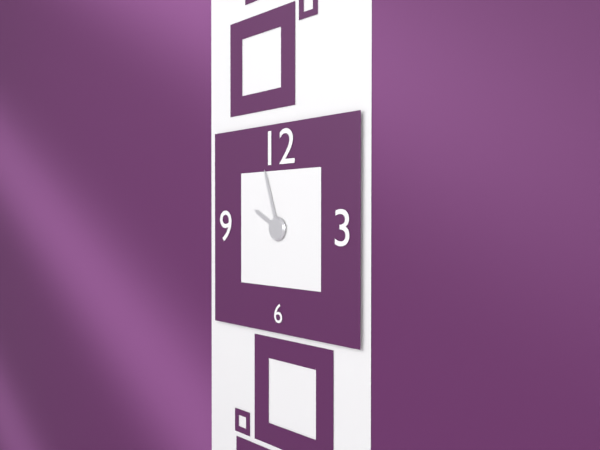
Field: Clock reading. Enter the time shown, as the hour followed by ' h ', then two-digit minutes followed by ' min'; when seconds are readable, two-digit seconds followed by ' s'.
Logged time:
9 h 57 min
